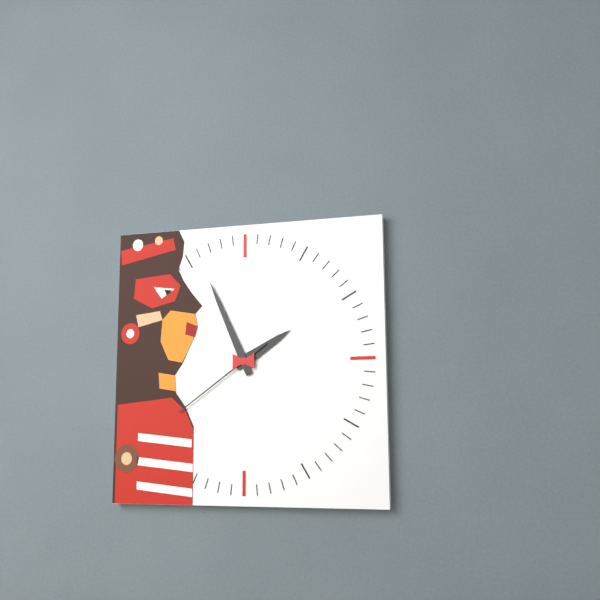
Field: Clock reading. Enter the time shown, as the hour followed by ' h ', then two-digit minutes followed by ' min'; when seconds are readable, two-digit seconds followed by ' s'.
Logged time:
1 h 56 min 39 s
